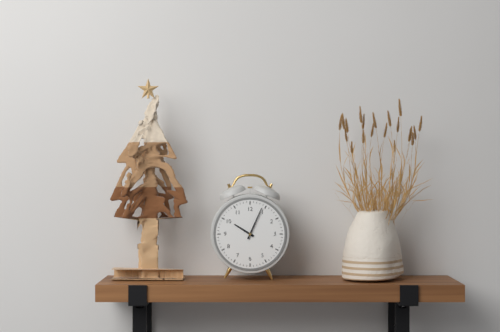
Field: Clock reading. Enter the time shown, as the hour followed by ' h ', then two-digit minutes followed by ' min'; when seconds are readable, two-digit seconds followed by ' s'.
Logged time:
10 h 04 min
